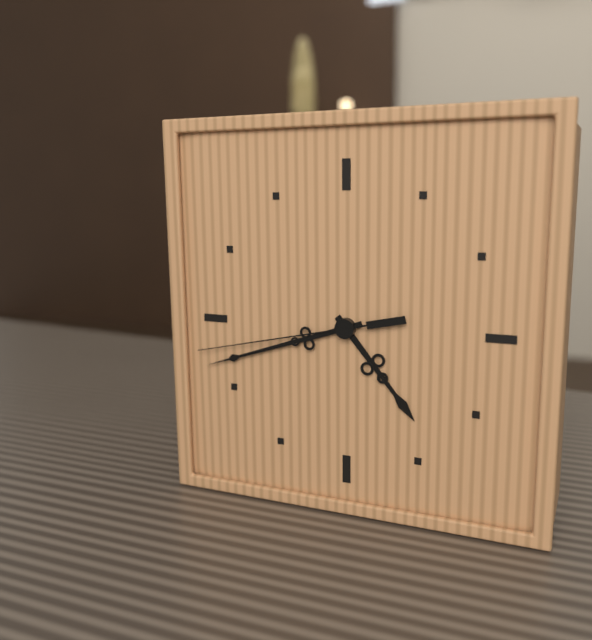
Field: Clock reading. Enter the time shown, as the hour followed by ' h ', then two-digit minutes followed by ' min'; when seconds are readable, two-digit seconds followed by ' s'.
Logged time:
4 h 42 min 43 s
